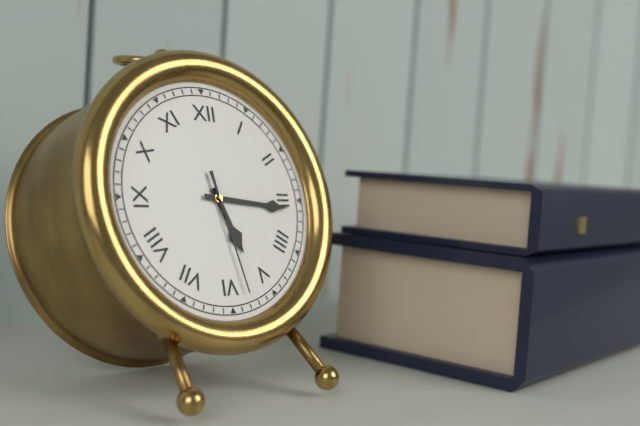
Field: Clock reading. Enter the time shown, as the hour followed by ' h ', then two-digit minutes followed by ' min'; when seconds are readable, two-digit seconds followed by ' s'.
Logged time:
5 h 16 min 28 s
